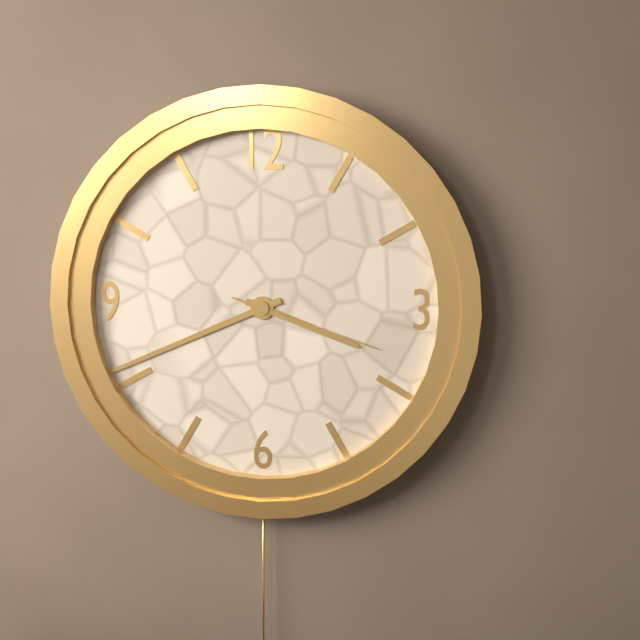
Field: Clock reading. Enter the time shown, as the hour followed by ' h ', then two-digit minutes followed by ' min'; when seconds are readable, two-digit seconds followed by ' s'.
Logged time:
3 h 41 min 18 s
